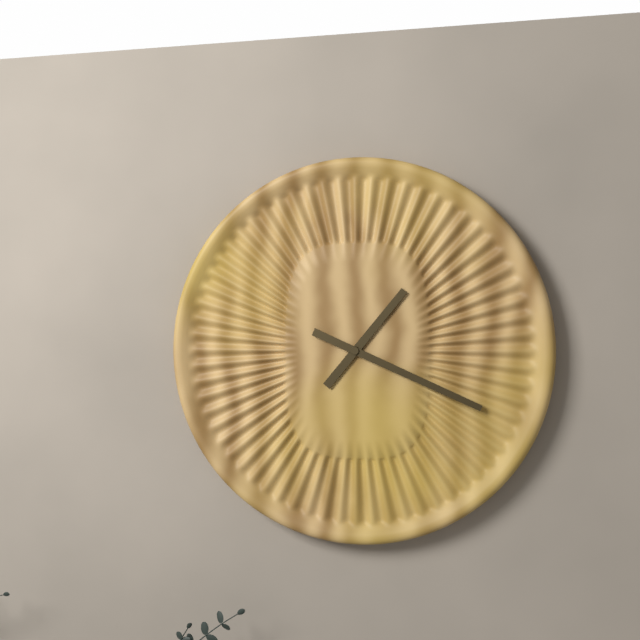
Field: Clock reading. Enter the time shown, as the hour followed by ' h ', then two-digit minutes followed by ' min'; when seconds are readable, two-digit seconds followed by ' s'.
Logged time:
1 h 19 min
